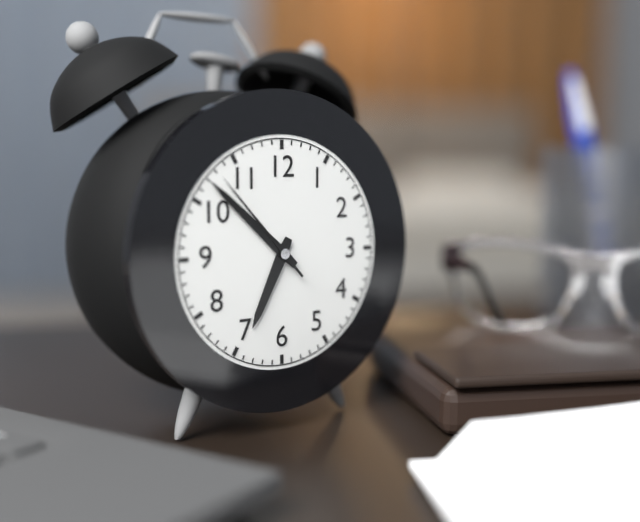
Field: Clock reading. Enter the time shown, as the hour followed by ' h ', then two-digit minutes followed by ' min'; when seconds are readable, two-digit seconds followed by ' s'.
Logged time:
6 h 52 min 53 s
